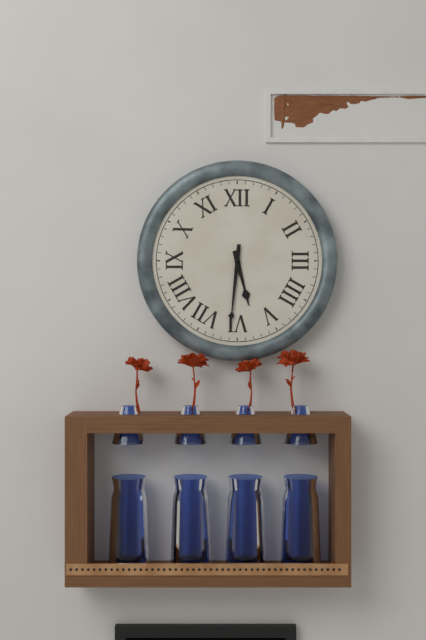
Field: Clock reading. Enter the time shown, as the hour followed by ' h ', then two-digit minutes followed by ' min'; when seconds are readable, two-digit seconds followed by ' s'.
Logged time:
5 h 31 min
